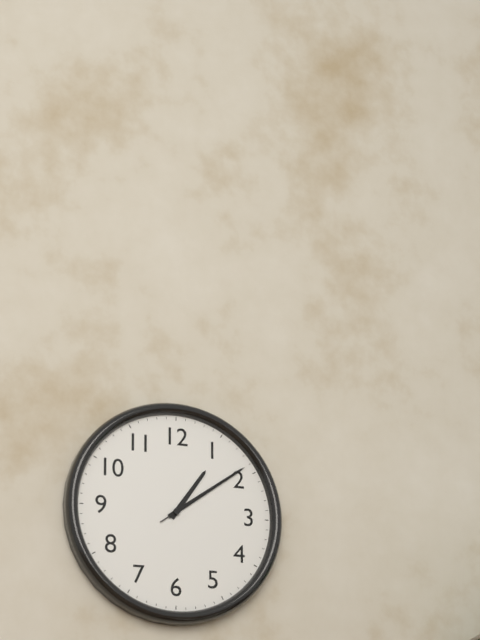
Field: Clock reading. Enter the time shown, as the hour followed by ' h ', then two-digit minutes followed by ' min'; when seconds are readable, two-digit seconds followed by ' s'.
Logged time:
1 h 09 min 09 s
